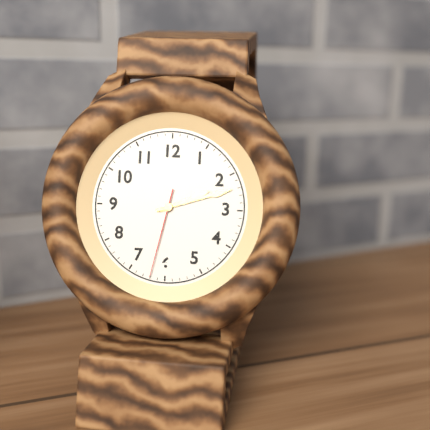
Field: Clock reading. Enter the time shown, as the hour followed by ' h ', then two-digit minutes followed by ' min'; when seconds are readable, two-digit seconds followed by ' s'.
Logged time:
2 h 12 min 32 s
